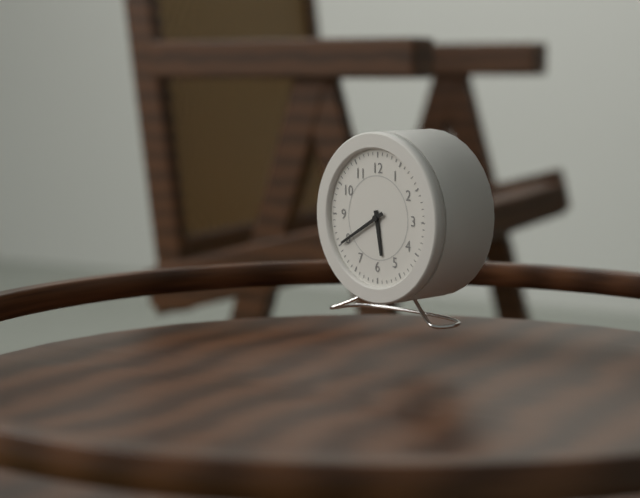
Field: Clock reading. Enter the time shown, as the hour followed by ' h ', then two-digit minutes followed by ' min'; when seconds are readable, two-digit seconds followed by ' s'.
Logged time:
5 h 40 min
